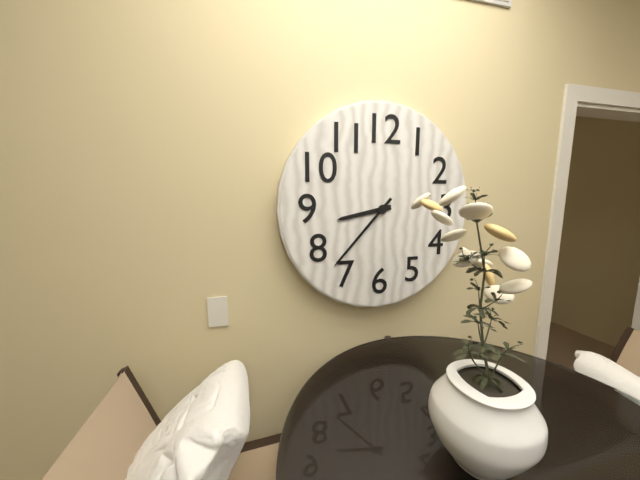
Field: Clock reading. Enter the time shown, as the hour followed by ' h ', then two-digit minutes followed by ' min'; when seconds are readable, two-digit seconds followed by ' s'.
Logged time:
8 h 37 min
